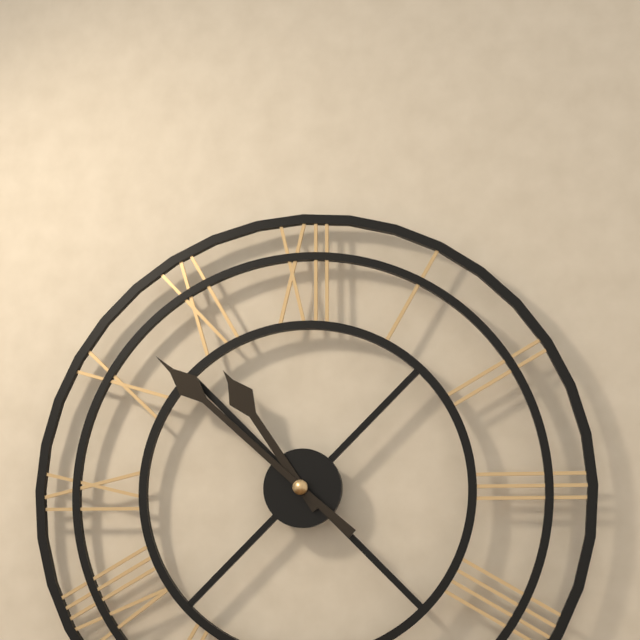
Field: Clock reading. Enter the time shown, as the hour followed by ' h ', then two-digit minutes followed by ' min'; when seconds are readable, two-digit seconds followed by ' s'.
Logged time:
10 h 52 min
